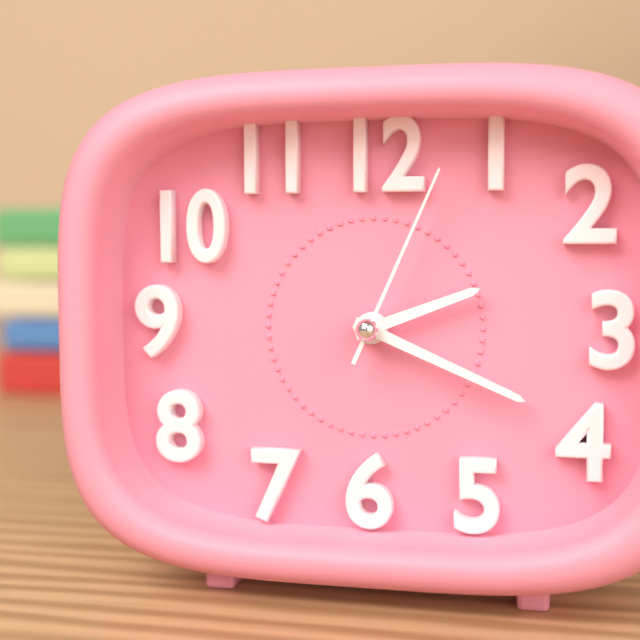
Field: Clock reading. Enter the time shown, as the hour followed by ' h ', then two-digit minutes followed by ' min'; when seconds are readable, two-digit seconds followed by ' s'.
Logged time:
2 h 19 min 04 s
